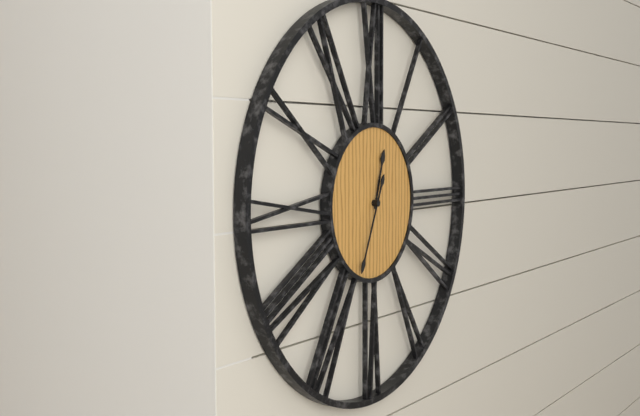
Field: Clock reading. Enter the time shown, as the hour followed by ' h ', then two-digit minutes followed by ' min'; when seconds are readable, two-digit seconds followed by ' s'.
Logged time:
12 h 34 min
